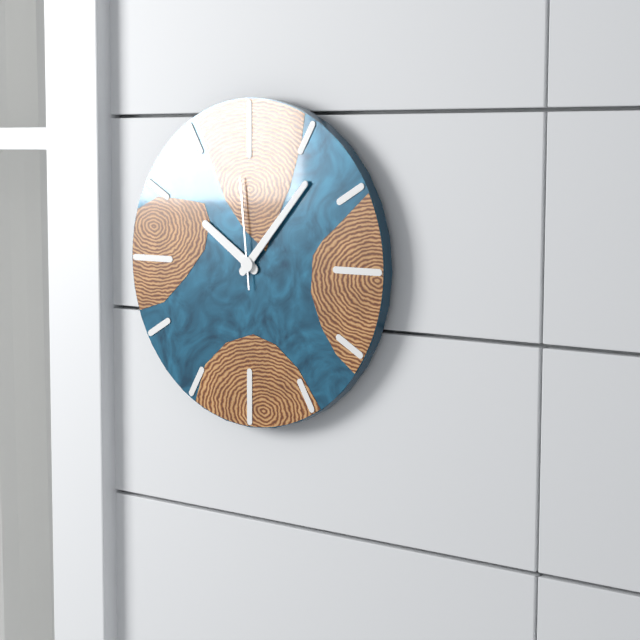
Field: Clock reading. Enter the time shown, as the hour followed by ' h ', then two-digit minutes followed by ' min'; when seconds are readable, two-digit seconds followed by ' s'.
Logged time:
10 h 07 min 59 s
